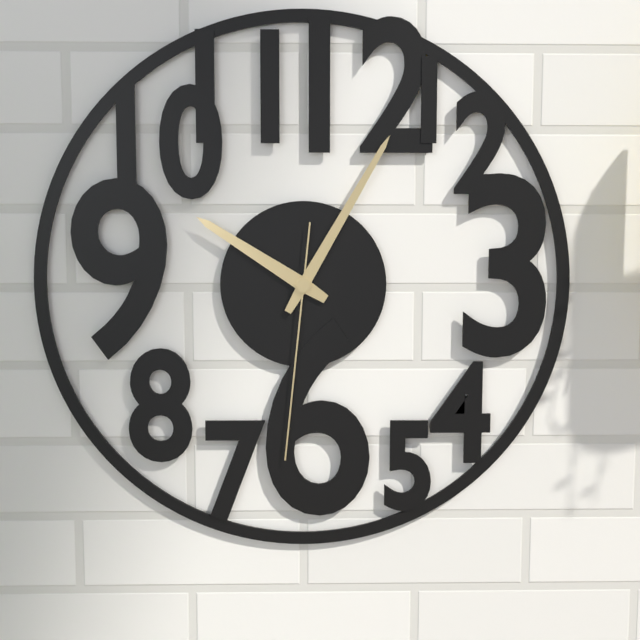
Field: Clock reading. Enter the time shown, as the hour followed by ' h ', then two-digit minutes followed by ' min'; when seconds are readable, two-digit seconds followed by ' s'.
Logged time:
10 h 05 min 31 s
